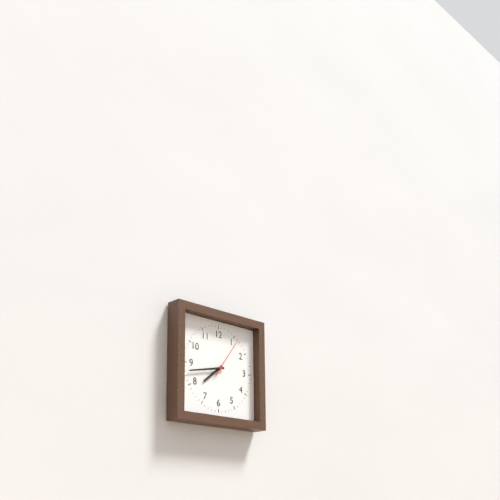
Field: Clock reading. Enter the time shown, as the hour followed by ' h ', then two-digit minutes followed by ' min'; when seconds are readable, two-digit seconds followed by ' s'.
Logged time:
7 h 43 min
